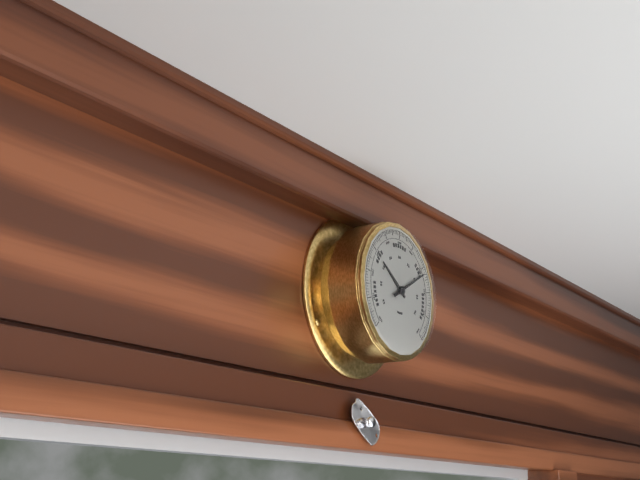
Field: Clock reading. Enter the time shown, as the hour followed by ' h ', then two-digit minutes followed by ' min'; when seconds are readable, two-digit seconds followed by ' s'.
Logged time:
10 h 10 min
